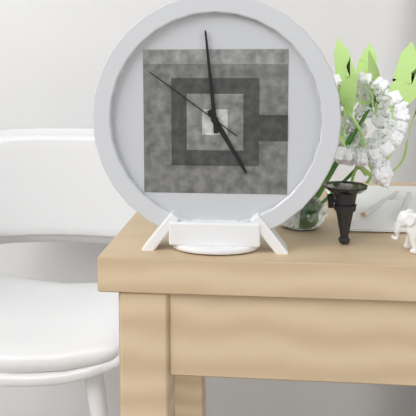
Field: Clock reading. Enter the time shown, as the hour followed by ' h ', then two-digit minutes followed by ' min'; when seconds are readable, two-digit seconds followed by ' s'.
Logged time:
4 h 59 min 51 s
